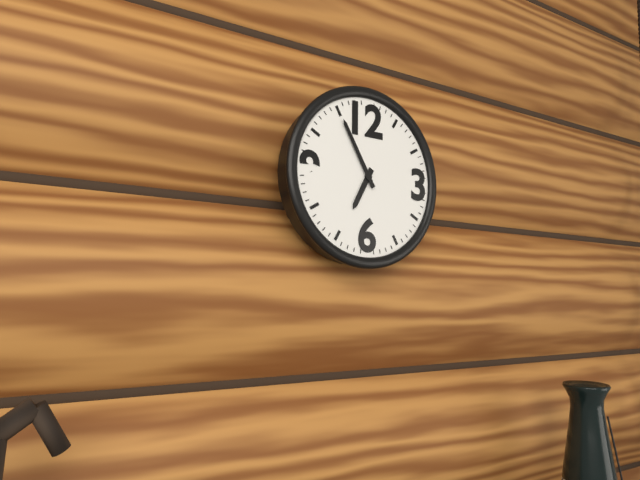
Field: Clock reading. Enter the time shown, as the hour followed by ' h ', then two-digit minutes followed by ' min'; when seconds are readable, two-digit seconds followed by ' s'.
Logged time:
6 h 55 min
